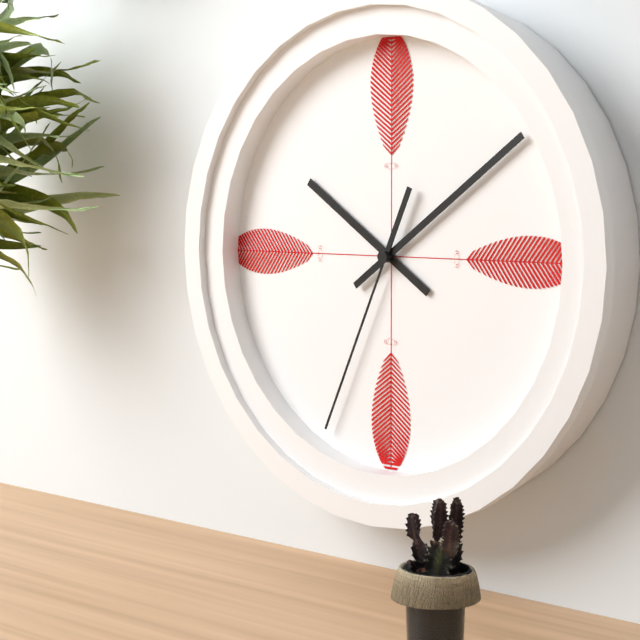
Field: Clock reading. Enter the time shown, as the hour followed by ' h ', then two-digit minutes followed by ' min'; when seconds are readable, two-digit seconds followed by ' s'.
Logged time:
10 h 09 min 34 s
